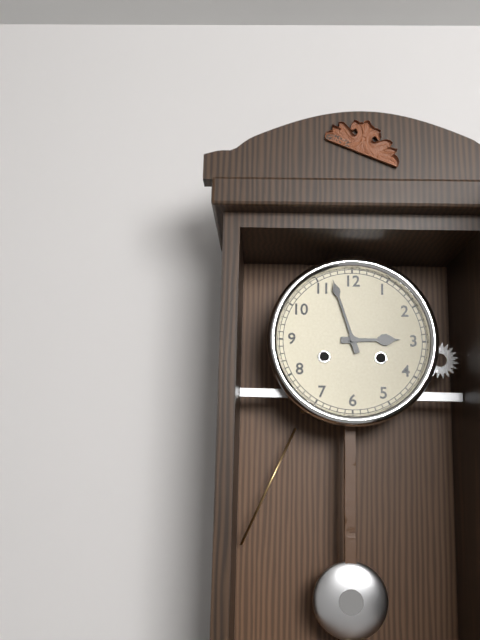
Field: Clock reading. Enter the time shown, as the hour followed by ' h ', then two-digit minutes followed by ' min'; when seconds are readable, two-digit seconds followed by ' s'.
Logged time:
2 h 57 min
